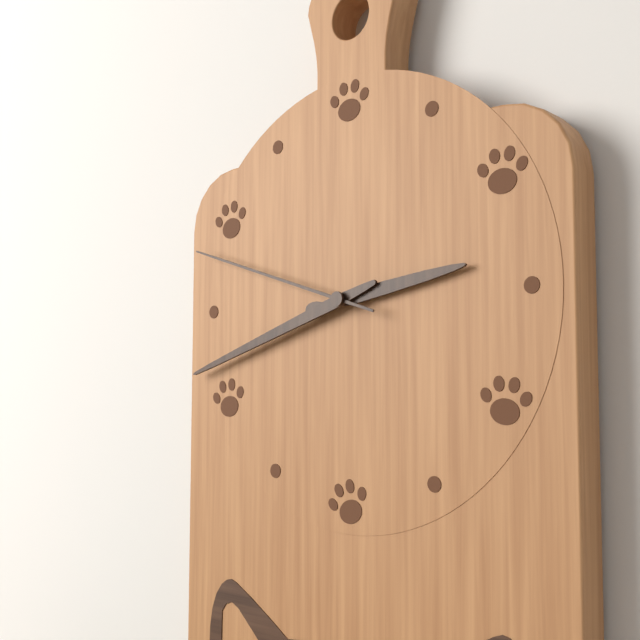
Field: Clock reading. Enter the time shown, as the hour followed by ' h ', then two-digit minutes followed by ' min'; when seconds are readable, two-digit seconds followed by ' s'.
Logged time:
2 h 42 min 48 s
